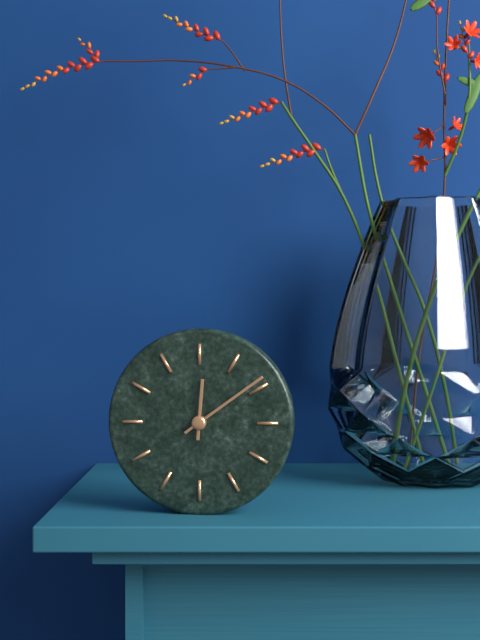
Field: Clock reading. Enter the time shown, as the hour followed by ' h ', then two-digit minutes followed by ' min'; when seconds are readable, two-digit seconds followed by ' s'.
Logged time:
12 h 09 min
